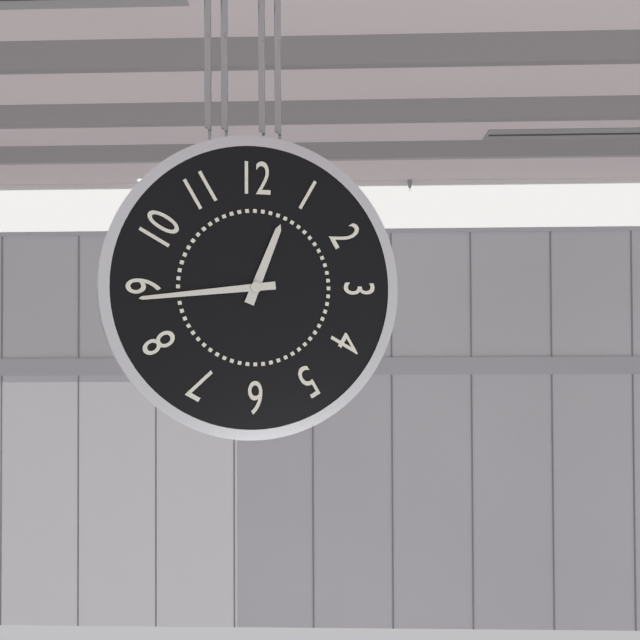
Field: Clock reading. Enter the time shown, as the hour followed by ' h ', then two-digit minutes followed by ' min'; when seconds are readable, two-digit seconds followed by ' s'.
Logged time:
12 h 44 min
